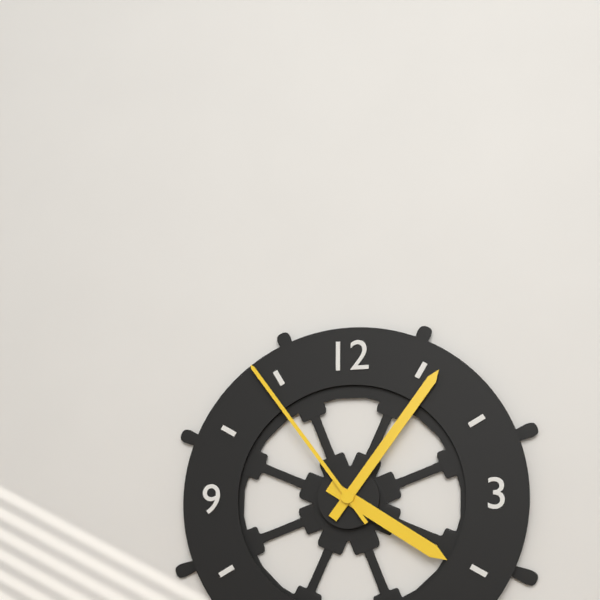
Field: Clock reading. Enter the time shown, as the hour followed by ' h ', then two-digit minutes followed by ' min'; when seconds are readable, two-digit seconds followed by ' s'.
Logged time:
4 h 06 min 54 s
